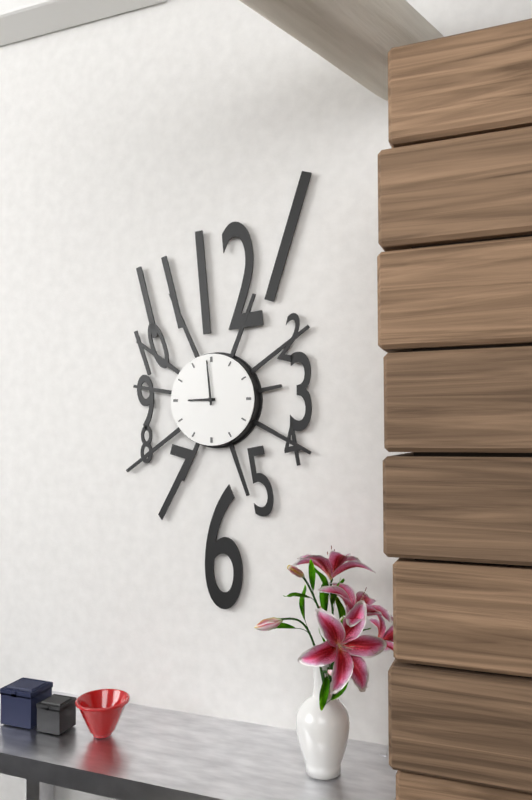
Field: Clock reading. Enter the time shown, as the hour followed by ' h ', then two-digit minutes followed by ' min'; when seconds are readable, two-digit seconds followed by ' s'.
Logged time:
8 h 59 min
